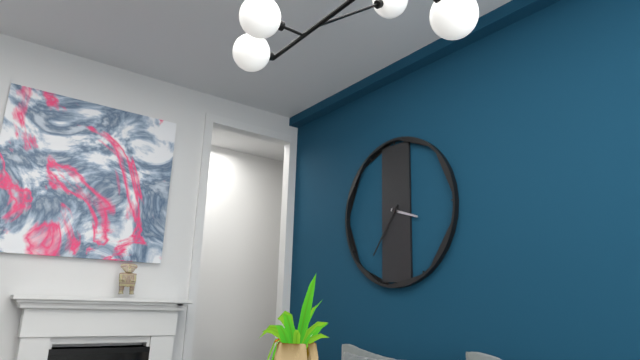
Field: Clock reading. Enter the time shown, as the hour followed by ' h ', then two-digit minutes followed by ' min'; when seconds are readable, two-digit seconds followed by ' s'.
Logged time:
3 h 36 min
